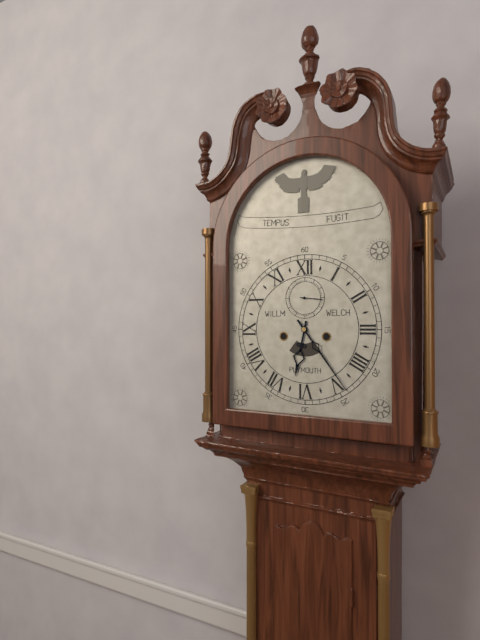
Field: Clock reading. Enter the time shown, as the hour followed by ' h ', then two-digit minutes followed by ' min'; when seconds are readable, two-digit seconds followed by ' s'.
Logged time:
6 h 24 min
